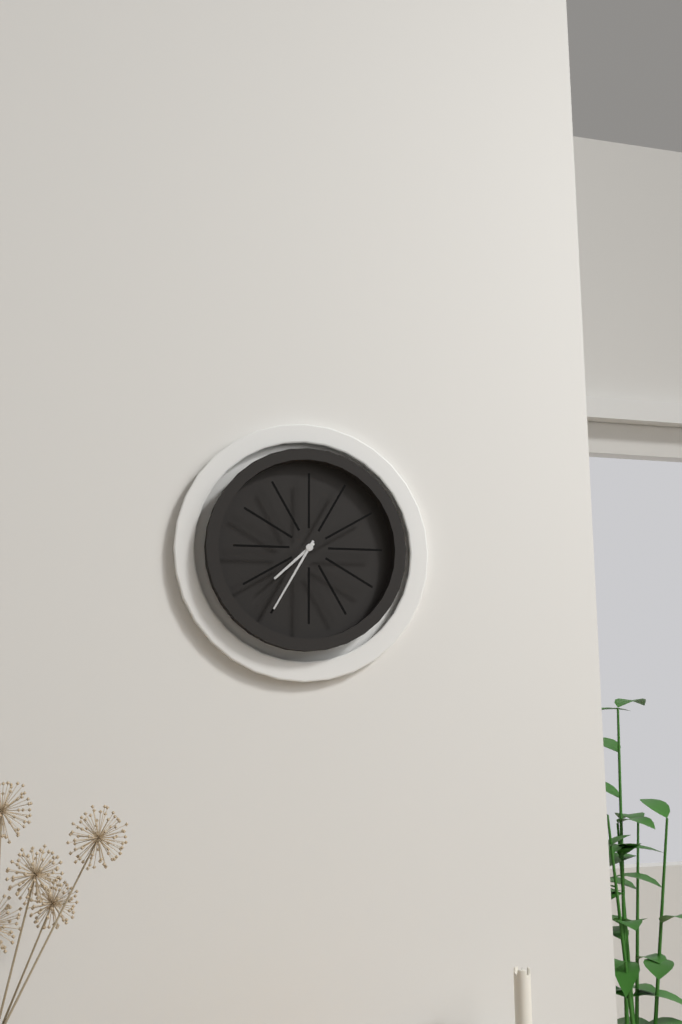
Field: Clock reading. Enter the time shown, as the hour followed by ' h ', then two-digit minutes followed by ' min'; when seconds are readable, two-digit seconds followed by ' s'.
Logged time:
7 h 35 min
